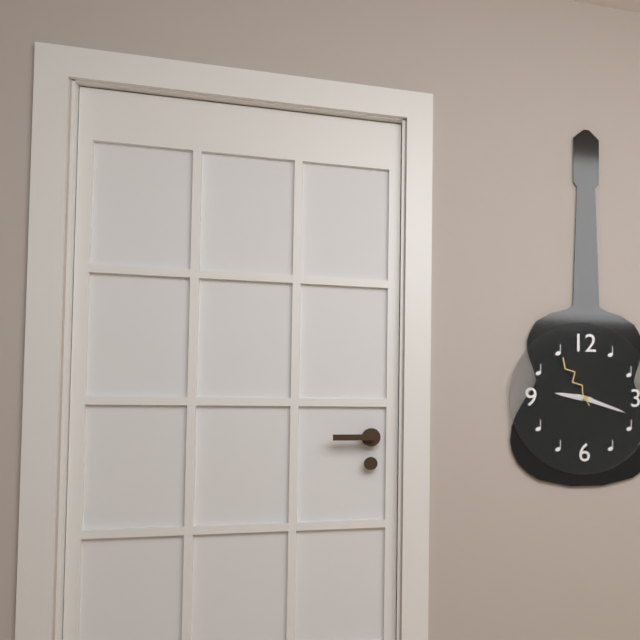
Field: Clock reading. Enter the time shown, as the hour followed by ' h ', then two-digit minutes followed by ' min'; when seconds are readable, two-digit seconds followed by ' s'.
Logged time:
9 h 18 min 55 s
